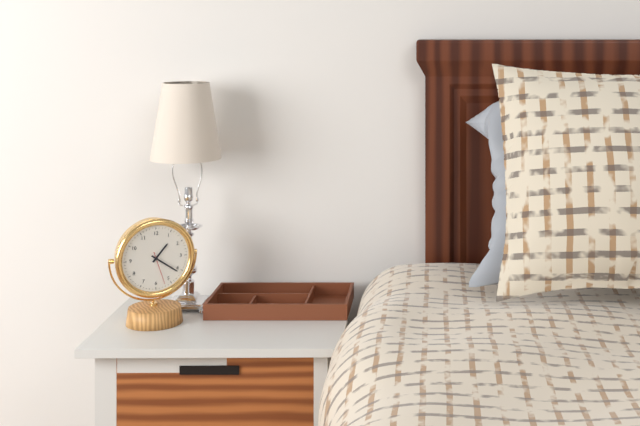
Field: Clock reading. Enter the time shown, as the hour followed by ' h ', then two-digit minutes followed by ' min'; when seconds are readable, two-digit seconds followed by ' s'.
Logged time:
1 h 21 min
